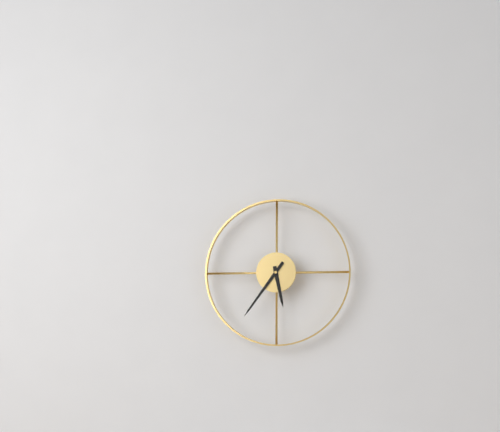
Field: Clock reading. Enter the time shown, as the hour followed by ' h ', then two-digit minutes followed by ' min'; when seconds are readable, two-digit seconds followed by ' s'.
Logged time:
5 h 36 min
